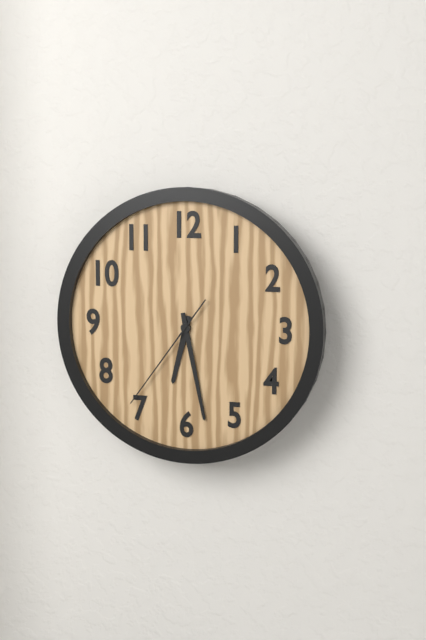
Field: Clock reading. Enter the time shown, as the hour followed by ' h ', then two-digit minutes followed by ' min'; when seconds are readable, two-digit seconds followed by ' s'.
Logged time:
6 h 28 min 36 s
